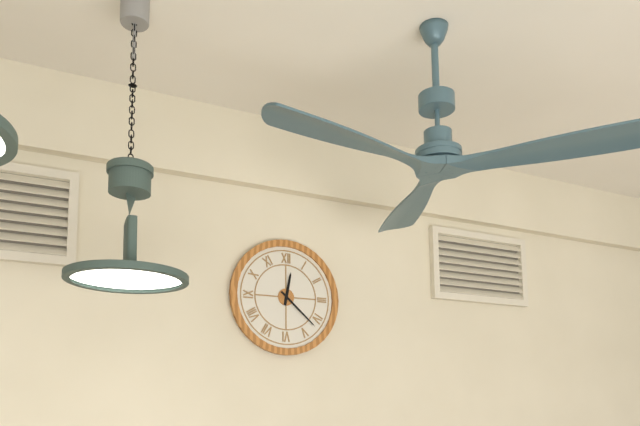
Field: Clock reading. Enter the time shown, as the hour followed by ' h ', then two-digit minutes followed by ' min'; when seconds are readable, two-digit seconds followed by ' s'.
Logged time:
12 h 22 min
